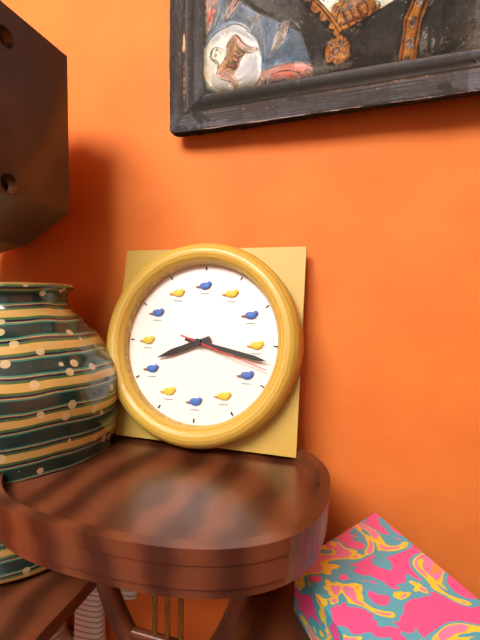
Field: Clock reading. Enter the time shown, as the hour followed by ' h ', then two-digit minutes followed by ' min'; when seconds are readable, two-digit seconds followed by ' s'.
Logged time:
8 h 17 min 18 s
